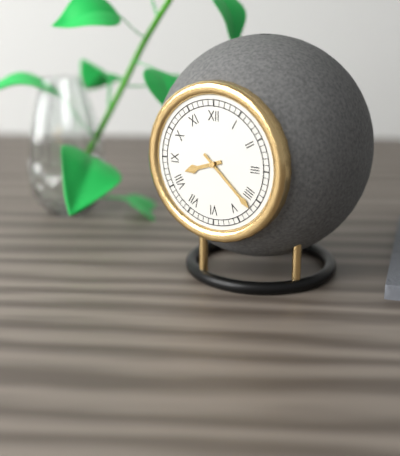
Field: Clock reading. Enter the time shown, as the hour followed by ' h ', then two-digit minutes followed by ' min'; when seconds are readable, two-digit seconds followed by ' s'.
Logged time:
8 h 22 min
